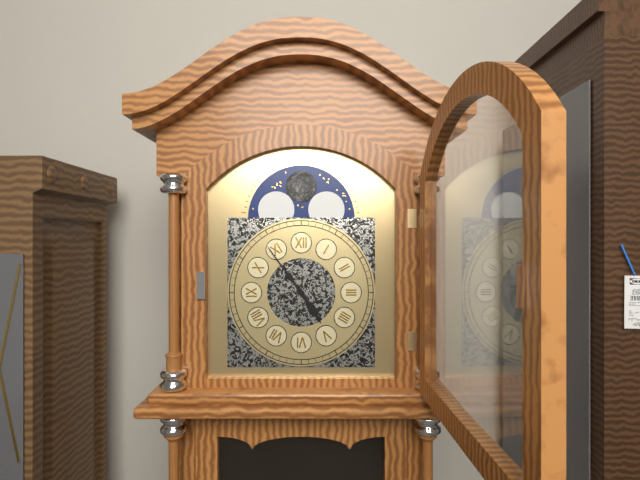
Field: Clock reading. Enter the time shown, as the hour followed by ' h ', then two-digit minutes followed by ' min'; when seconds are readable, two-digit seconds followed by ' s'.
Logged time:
4 h 54 min
